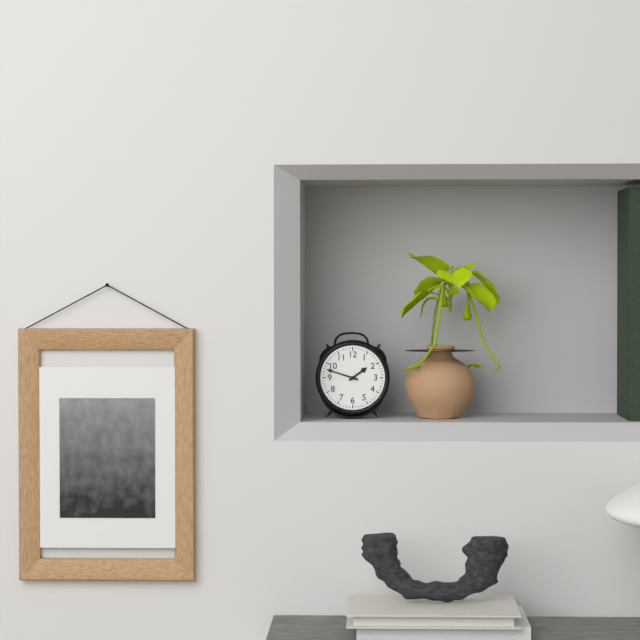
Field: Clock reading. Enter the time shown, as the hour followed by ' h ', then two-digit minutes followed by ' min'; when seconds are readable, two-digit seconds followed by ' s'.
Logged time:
1 h 48 min
